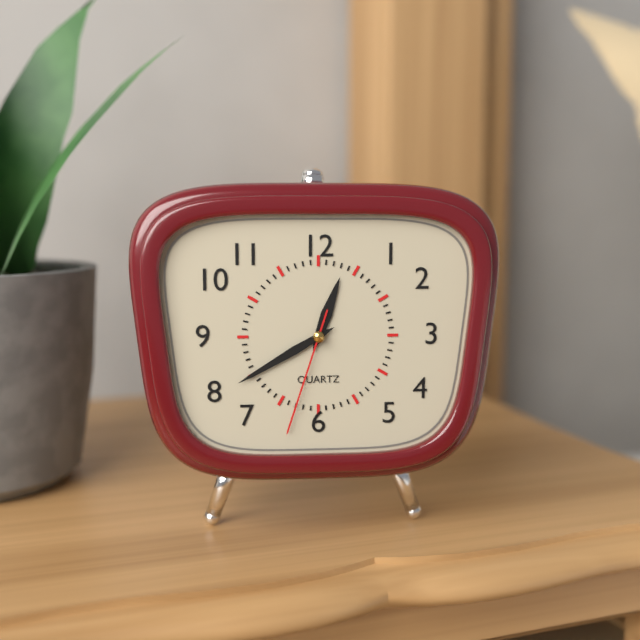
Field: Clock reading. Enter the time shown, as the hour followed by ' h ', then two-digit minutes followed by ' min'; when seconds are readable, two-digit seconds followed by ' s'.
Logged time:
12 h 40 min 33 s
